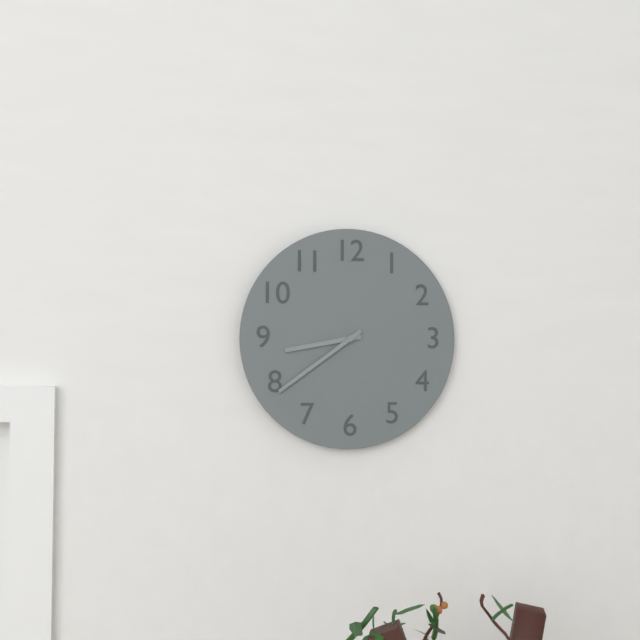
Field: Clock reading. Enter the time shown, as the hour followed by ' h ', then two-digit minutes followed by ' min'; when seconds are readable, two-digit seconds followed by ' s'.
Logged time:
8 h 39 min
